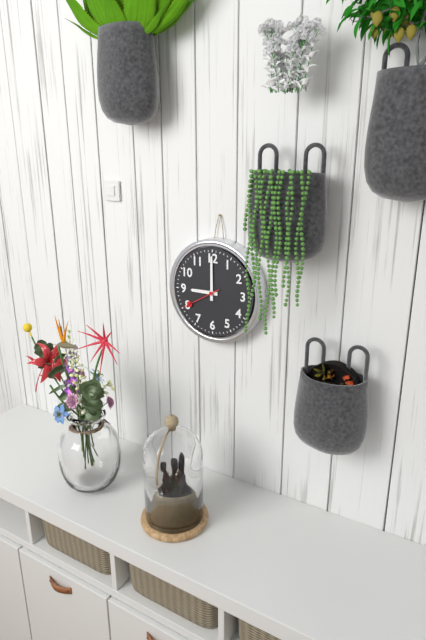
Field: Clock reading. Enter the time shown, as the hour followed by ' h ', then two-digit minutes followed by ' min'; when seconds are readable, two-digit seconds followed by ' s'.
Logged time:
9 h 00 min 40 s
